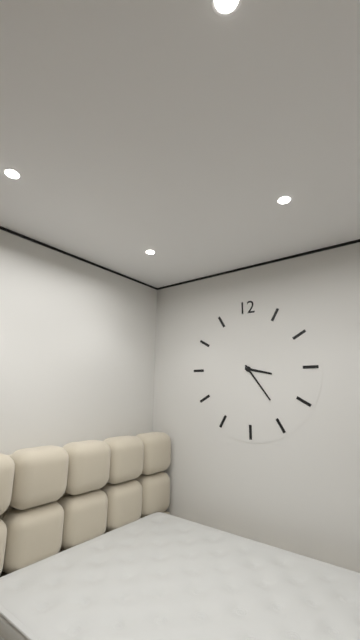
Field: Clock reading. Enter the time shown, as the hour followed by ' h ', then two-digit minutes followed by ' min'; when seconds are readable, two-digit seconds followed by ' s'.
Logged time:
3 h 24 min
